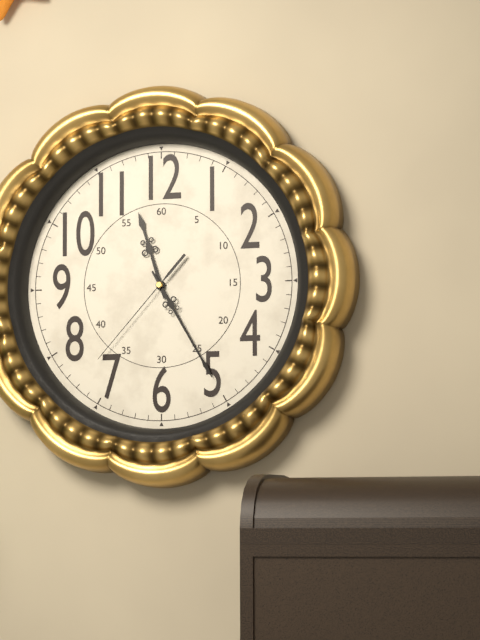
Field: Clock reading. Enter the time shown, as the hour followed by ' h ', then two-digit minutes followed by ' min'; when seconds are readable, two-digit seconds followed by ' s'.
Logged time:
11 h 25 min 37 s
